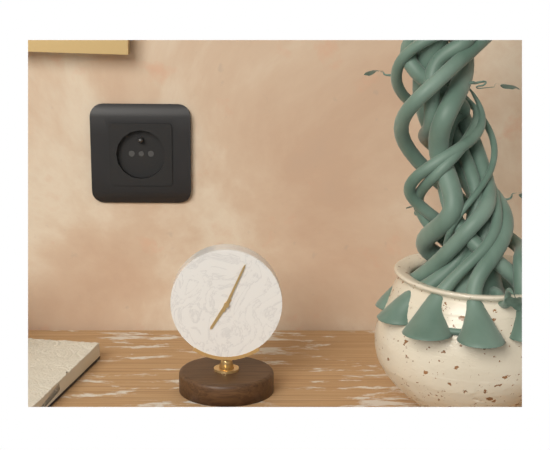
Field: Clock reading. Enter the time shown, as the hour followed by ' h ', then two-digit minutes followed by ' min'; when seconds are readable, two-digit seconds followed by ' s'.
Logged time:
7 h 04 min
